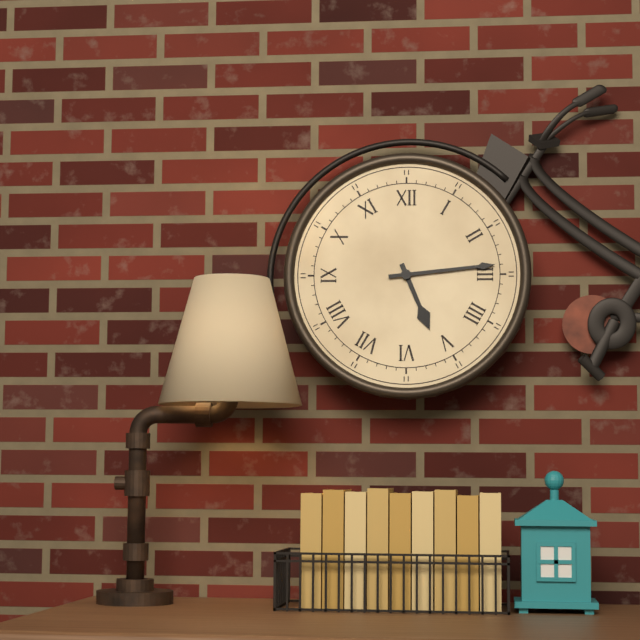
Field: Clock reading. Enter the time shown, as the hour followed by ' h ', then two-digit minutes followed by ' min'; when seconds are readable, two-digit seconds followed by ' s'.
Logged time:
5 h 14 min
